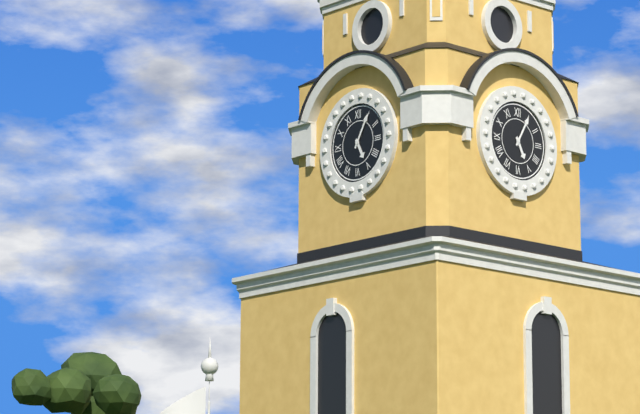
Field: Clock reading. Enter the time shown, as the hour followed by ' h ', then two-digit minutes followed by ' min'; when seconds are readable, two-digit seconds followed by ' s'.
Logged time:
5 h 05 min
